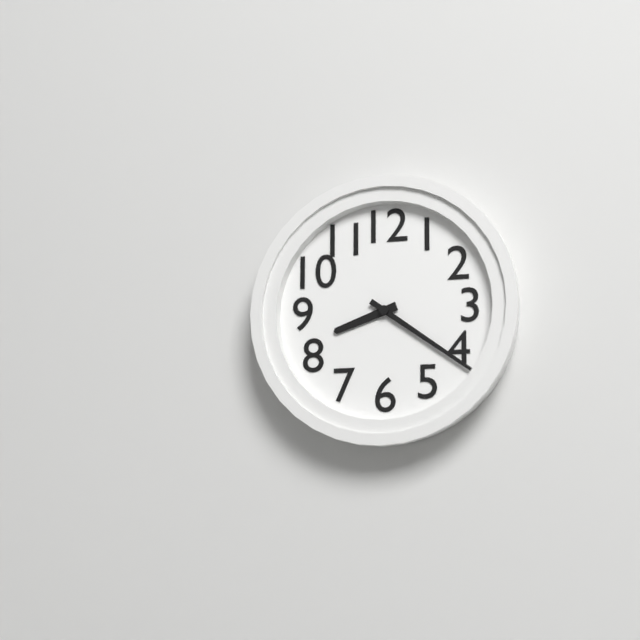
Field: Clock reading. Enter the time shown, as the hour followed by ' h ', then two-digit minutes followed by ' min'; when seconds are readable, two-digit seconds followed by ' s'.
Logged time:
8 h 21 min
